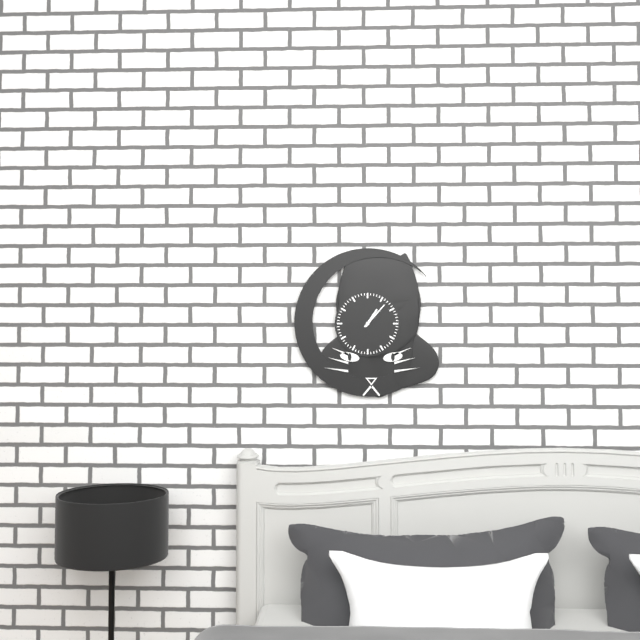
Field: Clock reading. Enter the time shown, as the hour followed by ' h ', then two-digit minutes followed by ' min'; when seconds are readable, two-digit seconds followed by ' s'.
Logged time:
1 h 07 min
